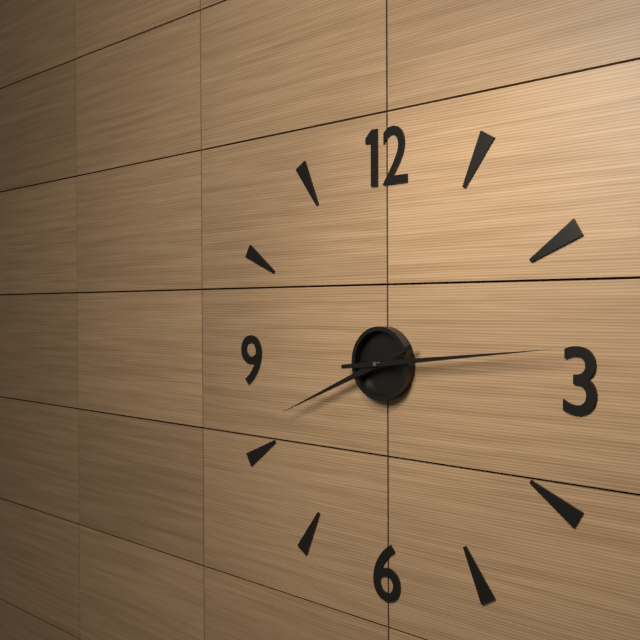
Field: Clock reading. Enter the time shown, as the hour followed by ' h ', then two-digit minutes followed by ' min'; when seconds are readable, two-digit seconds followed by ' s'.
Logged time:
8 h 14 min
